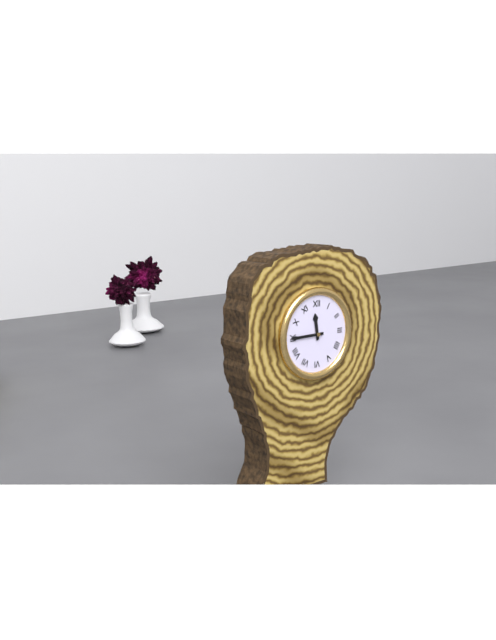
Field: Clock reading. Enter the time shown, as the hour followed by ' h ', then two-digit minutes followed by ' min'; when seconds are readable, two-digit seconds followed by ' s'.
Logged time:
11 h 45 min
